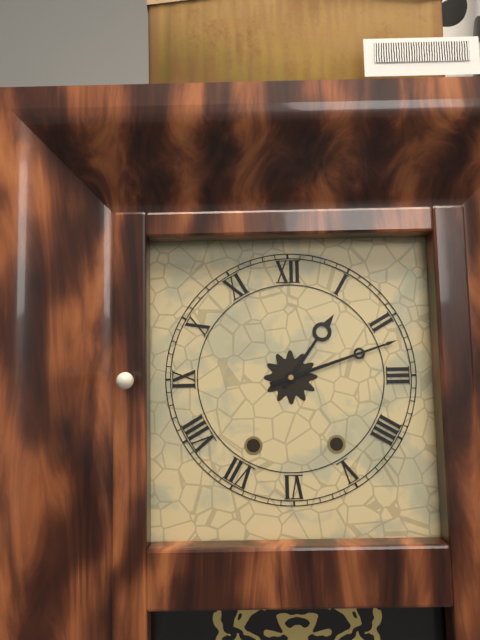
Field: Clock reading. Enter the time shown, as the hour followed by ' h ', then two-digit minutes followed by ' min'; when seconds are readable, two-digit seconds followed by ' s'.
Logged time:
1 h 12 min
